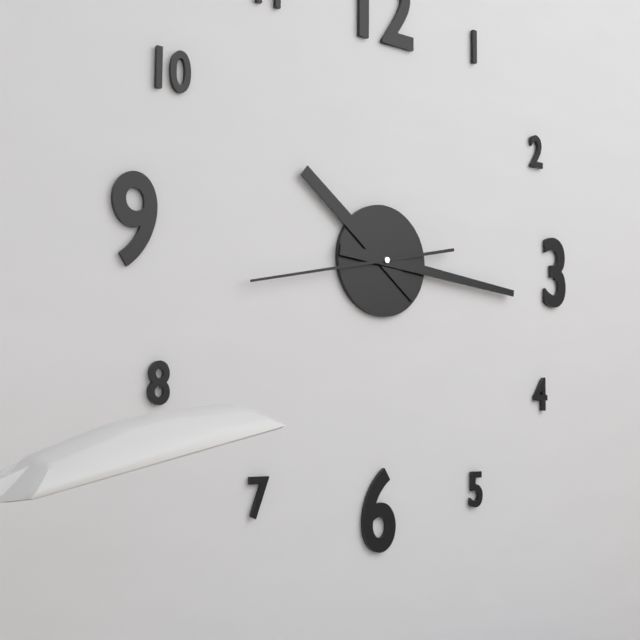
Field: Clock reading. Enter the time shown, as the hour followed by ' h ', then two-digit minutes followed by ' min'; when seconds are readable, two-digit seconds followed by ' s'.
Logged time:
10 h 16 min 43 s
